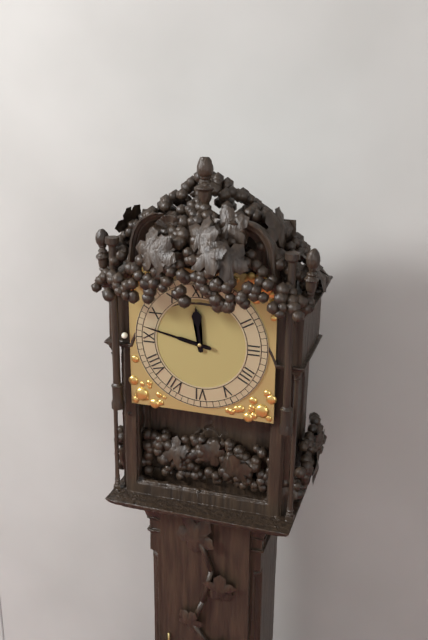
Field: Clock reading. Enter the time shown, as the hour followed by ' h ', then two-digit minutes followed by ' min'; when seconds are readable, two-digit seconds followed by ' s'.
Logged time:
11 h 47 min
